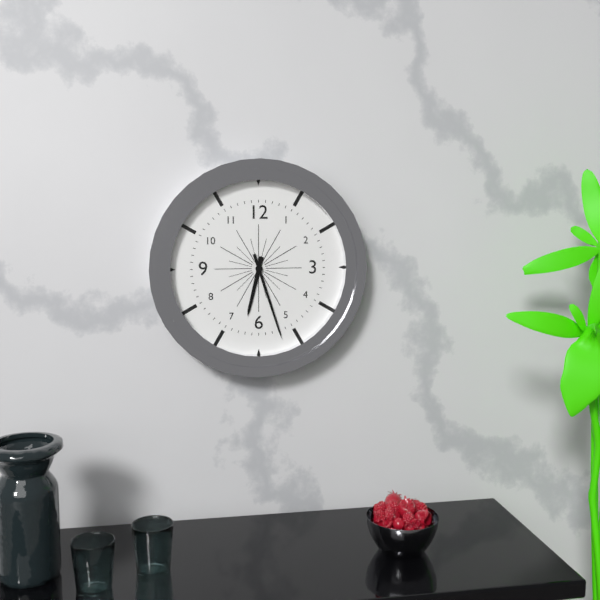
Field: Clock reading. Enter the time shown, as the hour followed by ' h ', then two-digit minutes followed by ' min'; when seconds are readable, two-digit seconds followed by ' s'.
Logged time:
6 h 27 min
